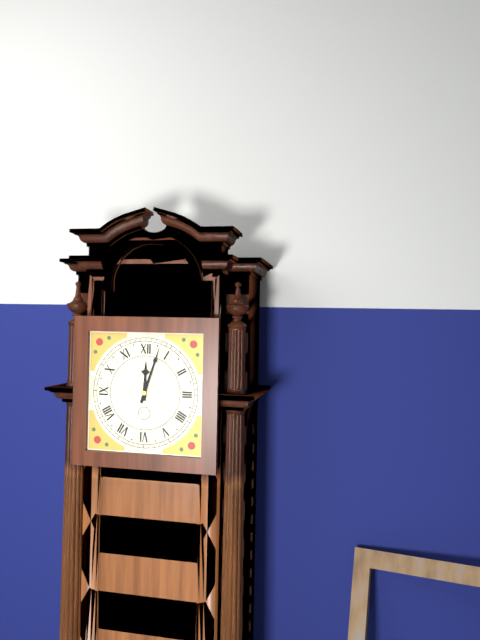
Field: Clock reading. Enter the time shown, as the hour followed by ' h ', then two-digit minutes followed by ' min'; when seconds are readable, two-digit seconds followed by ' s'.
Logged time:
12 h 03 min
